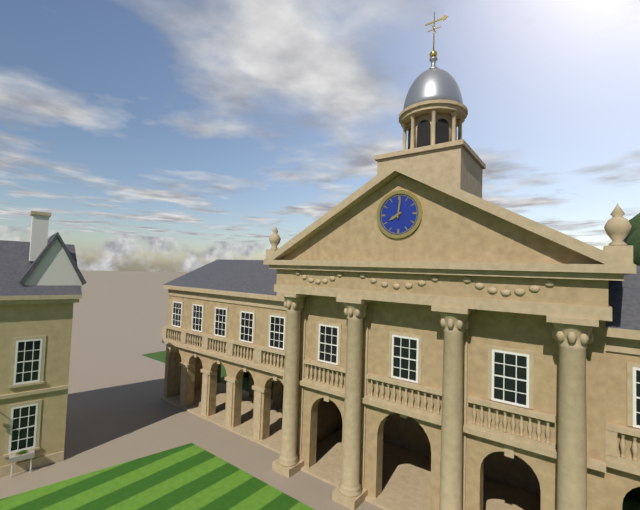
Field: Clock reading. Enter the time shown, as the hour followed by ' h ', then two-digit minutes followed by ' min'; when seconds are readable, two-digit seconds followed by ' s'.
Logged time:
8 h 01 min
